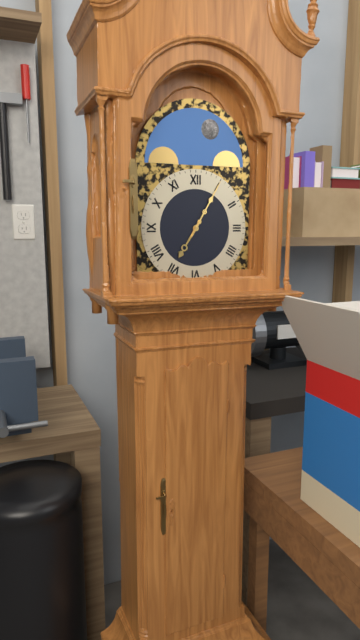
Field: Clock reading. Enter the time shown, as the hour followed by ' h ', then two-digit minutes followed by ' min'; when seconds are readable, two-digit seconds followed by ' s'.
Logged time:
7 h 05 min
